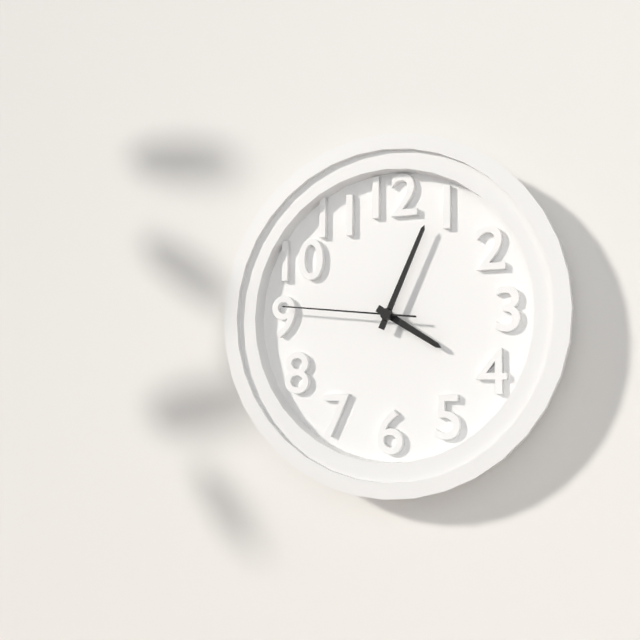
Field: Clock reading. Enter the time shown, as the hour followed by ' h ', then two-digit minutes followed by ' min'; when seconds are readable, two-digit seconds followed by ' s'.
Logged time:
4 h 04 min 46 s
